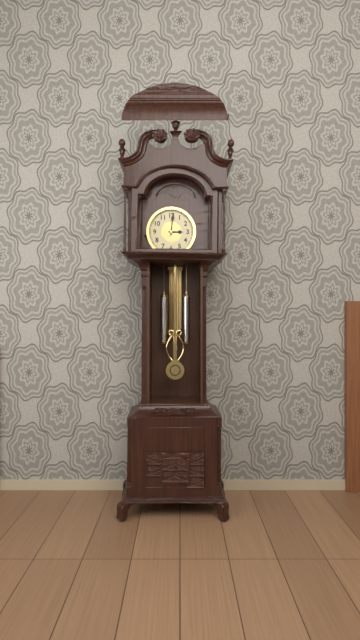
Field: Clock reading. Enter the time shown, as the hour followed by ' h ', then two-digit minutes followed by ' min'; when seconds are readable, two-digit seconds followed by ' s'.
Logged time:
3 h 01 min
